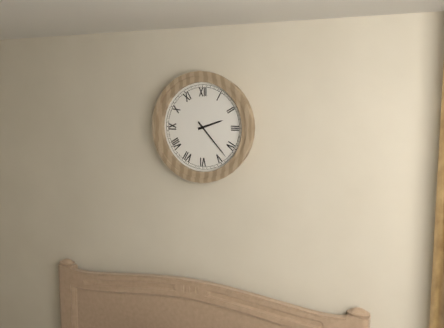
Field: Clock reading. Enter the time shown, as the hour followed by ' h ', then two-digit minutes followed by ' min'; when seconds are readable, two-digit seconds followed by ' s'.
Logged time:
2 h 23 min
